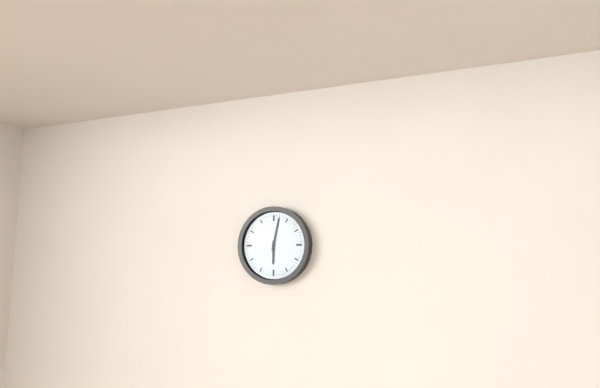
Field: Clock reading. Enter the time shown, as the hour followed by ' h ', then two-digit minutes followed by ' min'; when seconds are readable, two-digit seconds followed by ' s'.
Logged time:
6 h 02 min
